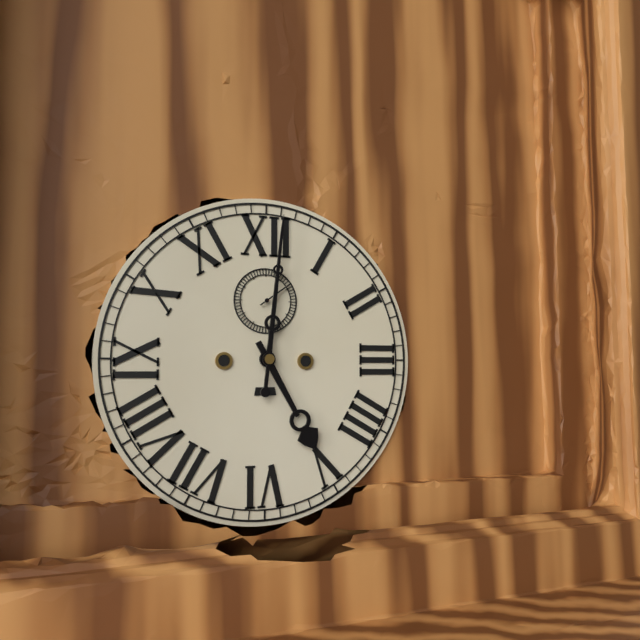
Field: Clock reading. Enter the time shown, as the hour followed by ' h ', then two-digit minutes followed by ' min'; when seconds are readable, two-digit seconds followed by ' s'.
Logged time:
5 h 01 min
